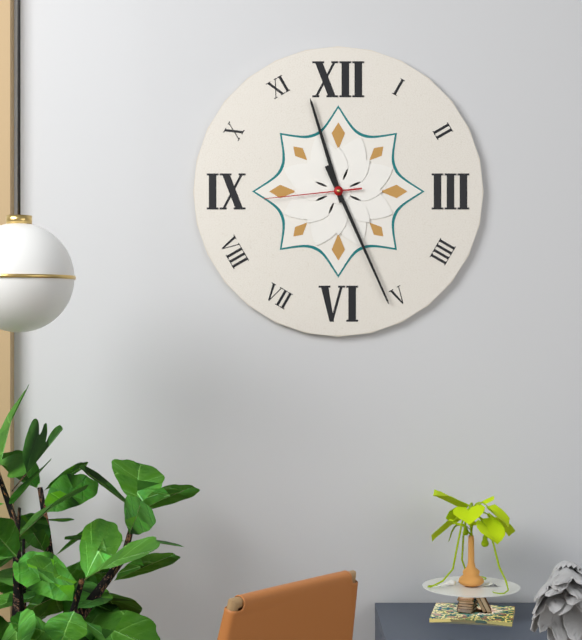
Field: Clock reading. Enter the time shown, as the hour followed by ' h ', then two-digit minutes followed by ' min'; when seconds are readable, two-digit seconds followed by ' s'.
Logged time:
11 h 26 min 44 s
